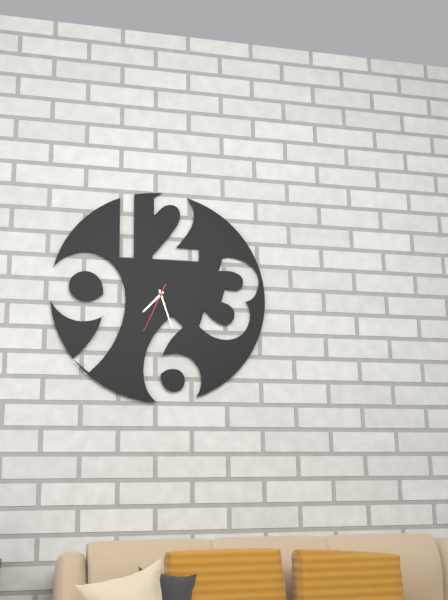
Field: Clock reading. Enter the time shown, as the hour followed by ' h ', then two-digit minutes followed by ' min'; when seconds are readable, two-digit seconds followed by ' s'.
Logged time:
7 h 27 min 34 s
